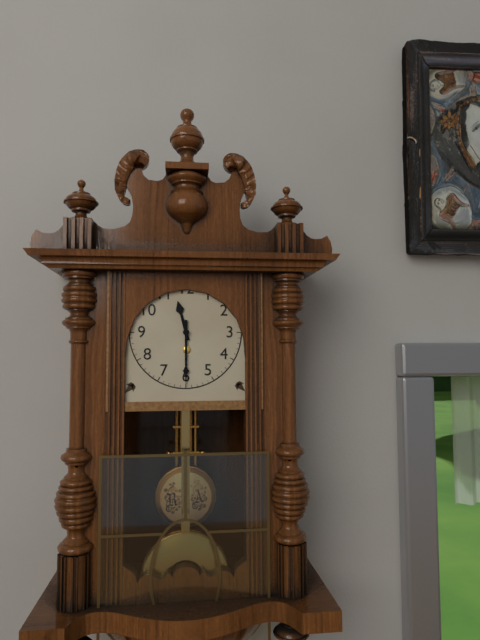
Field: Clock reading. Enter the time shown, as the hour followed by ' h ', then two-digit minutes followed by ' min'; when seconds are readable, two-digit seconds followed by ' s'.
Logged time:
11 h 30 min
